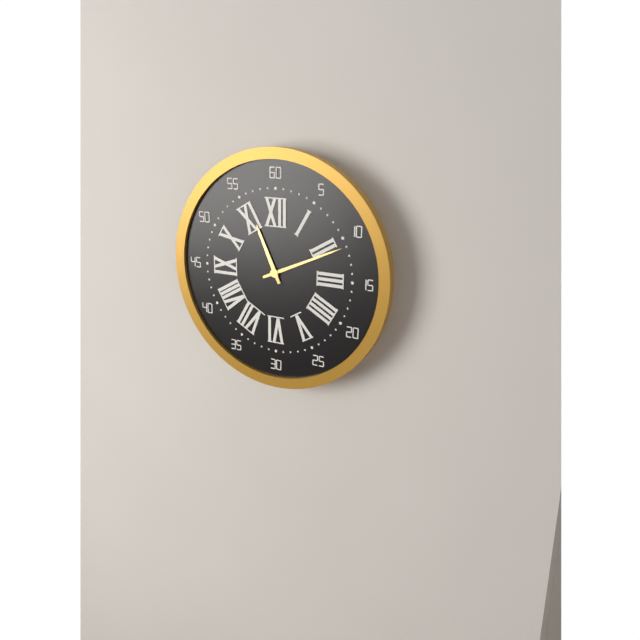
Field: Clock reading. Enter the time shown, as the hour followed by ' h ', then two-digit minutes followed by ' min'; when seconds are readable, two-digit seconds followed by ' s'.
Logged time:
11 h 11 min
